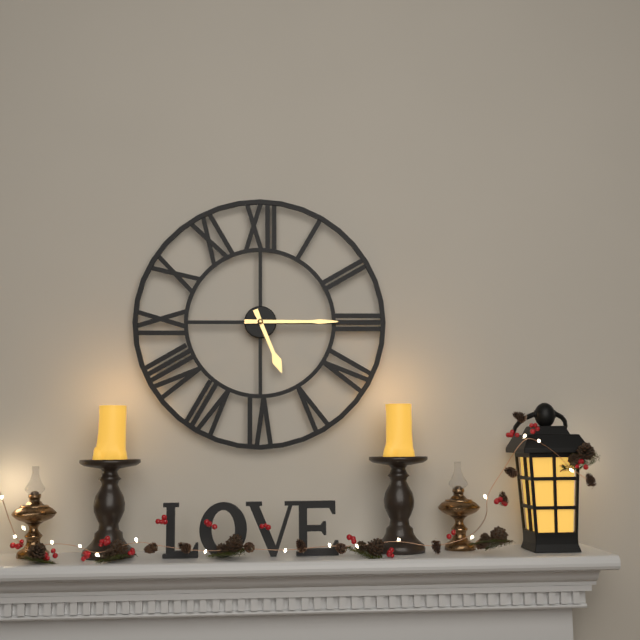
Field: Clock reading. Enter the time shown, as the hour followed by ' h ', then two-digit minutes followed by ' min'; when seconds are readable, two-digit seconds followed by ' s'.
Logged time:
5 h 15 min
